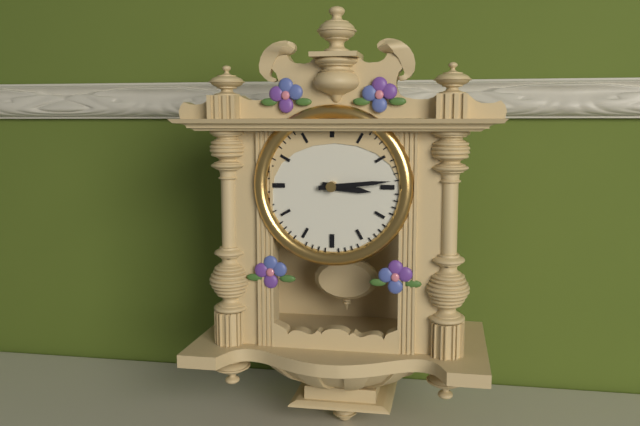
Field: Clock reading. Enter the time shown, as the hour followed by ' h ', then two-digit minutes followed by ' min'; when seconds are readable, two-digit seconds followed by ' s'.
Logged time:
3 h 14 min
